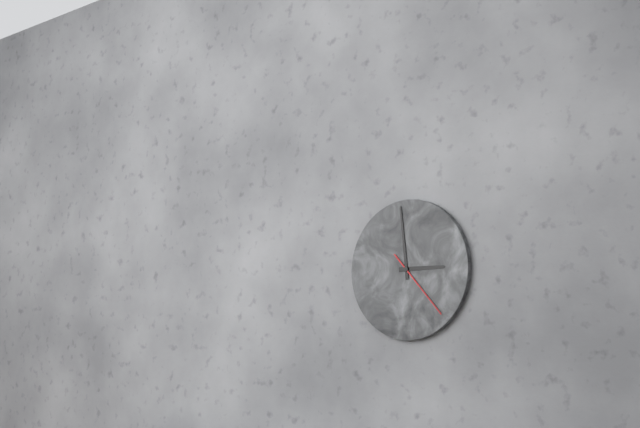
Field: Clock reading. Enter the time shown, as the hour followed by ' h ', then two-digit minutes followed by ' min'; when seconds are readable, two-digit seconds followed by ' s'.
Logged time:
2 h 59 min 23 s
